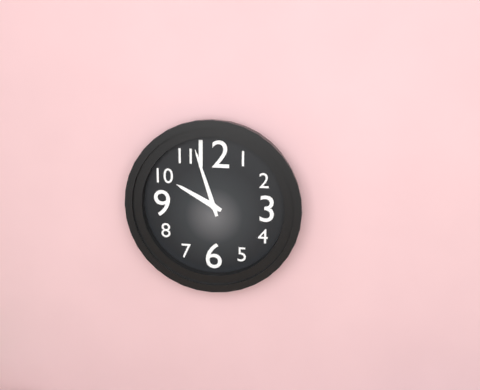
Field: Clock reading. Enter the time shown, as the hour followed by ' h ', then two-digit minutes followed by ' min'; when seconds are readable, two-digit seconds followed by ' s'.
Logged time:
9 h 57 min
